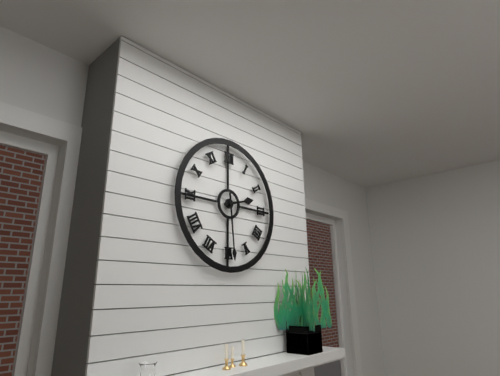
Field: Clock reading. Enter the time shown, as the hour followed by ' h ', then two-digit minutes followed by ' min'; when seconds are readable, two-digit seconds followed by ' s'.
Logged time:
2 h 29 min
